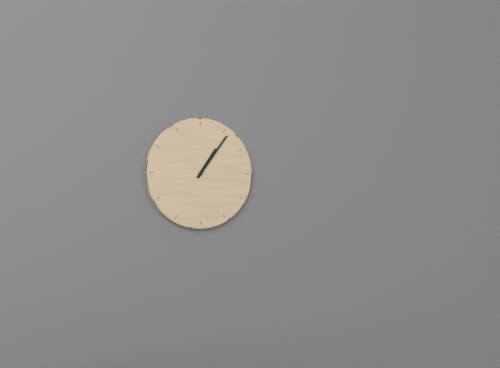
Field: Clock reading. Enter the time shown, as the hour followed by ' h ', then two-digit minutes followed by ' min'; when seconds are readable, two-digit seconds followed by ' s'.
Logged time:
1 h 06 min
